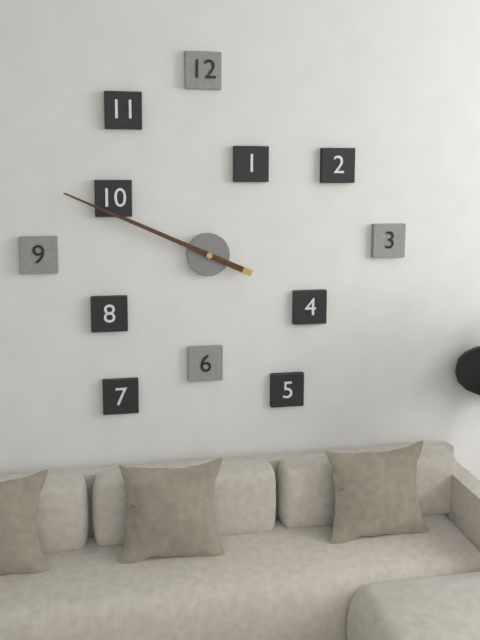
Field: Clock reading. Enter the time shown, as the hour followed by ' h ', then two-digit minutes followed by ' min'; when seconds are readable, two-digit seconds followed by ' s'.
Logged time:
9 h 49 min
